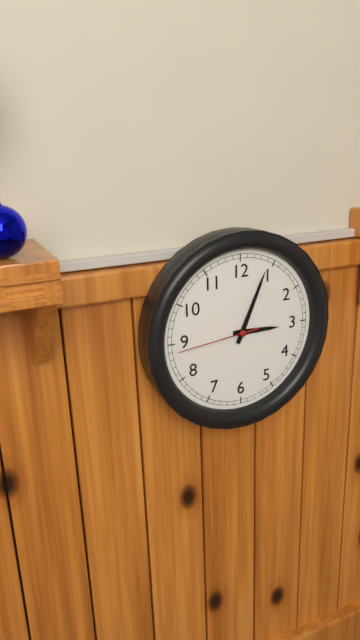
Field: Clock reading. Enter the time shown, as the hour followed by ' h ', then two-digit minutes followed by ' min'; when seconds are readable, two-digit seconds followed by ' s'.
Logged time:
3 h 04 min 44 s
